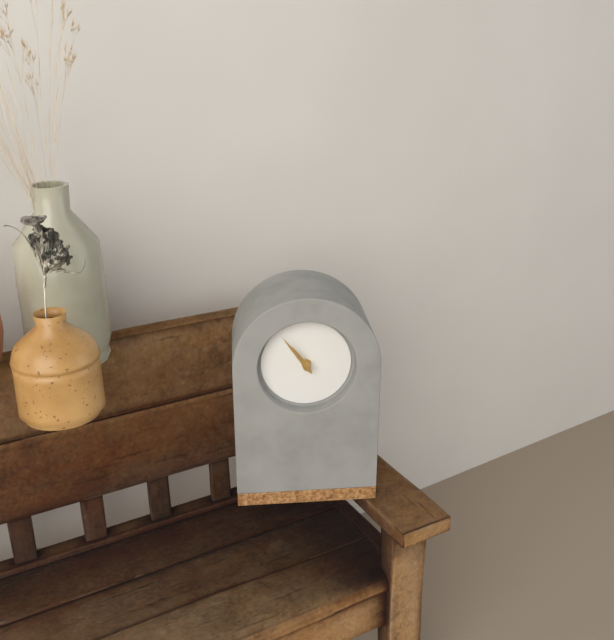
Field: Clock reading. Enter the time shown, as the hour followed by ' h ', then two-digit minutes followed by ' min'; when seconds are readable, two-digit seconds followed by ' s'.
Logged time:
10 h 54 min
